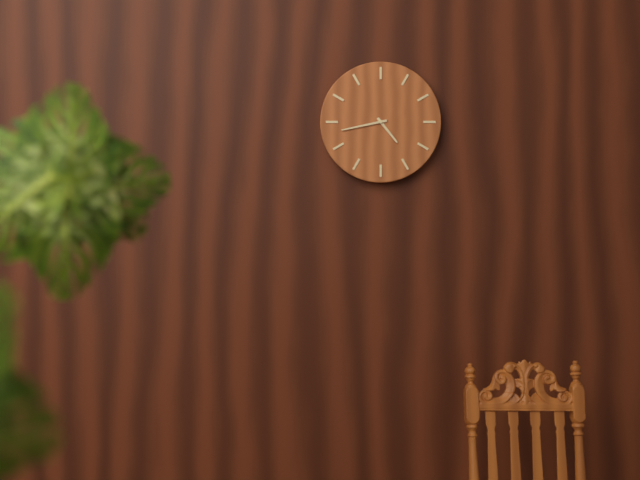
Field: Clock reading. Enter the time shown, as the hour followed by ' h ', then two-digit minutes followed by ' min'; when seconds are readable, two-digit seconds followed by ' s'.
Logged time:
4 h 43 min
